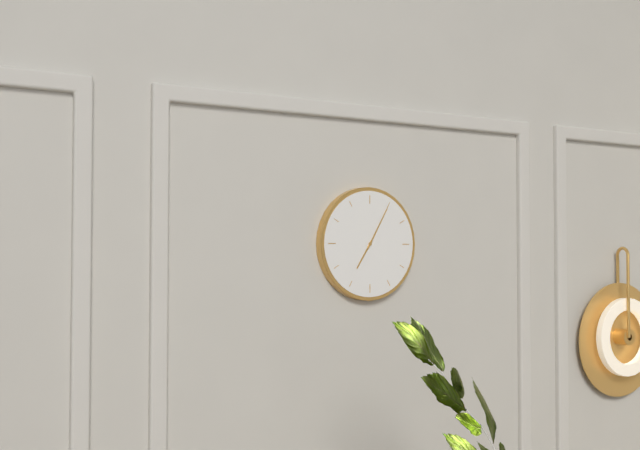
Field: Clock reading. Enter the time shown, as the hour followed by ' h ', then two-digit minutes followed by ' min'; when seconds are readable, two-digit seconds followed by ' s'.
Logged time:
7 h 05 min
